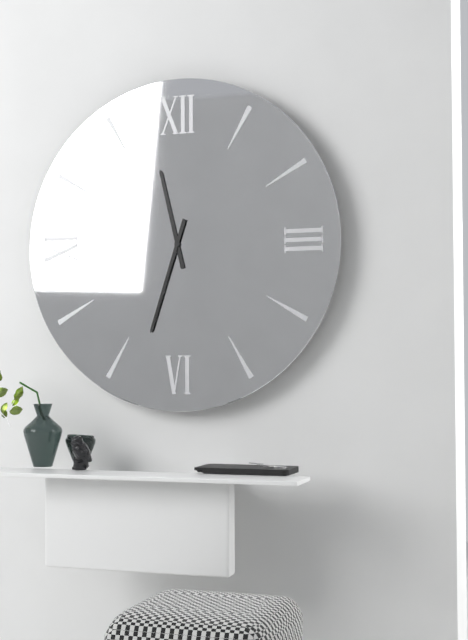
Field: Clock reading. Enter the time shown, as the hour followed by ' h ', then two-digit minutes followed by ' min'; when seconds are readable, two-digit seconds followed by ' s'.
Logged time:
11 h 33 min
